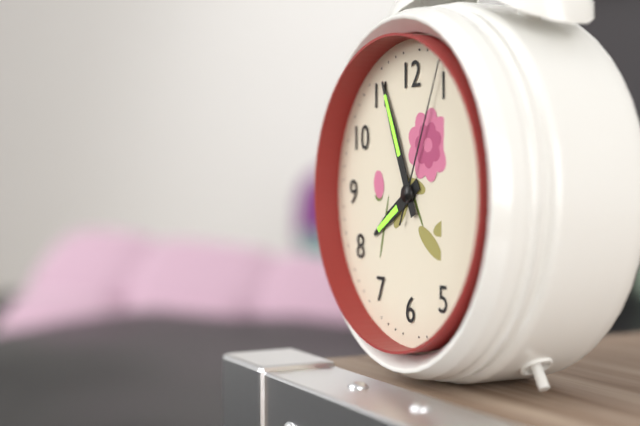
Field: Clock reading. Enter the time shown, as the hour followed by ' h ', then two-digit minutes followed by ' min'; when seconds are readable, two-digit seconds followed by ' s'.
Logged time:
7 h 56 min 04 s
